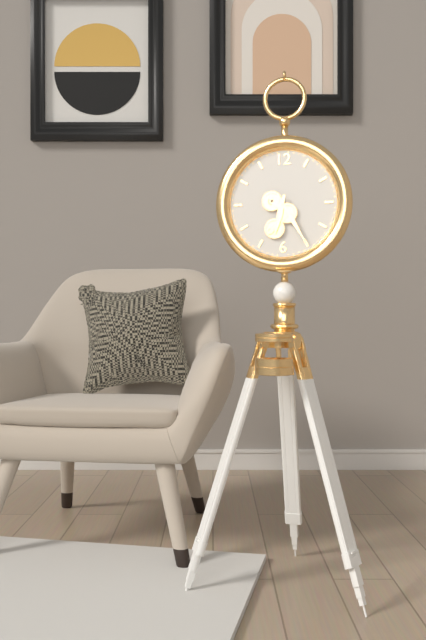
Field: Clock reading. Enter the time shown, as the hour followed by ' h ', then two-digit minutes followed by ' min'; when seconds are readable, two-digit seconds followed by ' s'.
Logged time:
6 h 25 min
